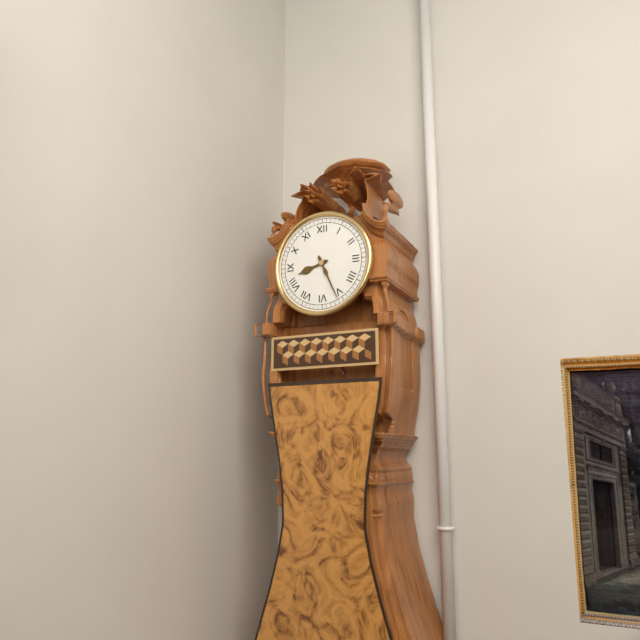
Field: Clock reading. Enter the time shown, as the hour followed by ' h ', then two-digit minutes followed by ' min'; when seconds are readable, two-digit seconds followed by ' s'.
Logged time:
8 h 26 min
